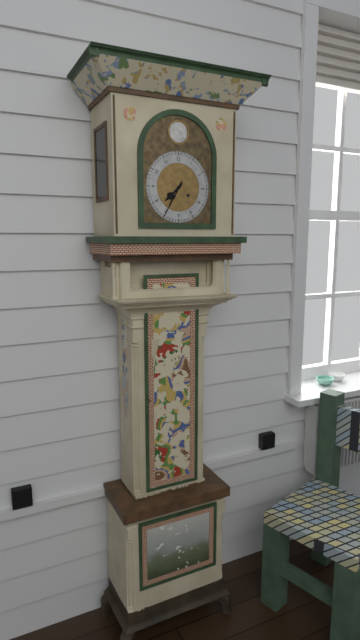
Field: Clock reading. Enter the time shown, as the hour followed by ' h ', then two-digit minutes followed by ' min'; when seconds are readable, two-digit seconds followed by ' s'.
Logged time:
7 h 35 min
